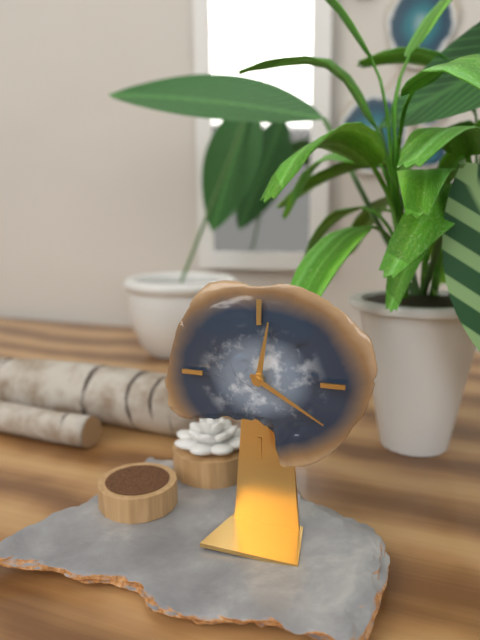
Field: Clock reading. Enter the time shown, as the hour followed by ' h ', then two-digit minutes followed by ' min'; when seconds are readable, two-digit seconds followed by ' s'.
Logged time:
12 h 20 min
